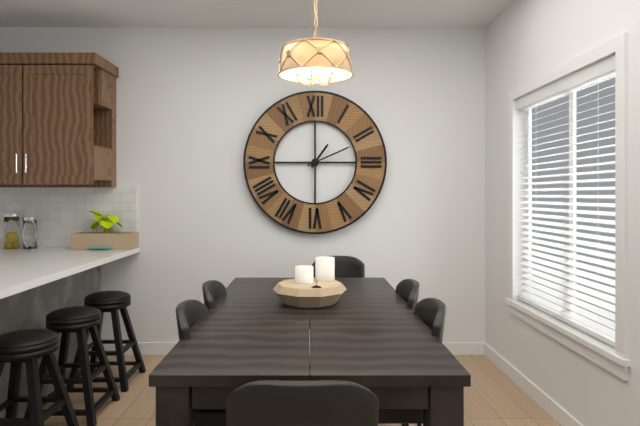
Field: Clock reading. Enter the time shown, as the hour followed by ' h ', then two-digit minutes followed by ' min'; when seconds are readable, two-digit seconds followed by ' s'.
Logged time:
1 h 11 min
